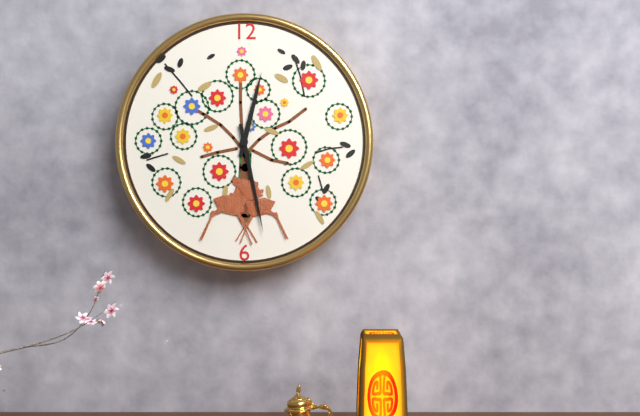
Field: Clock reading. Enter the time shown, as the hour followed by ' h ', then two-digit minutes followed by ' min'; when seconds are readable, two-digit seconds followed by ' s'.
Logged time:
12 h 28 min
